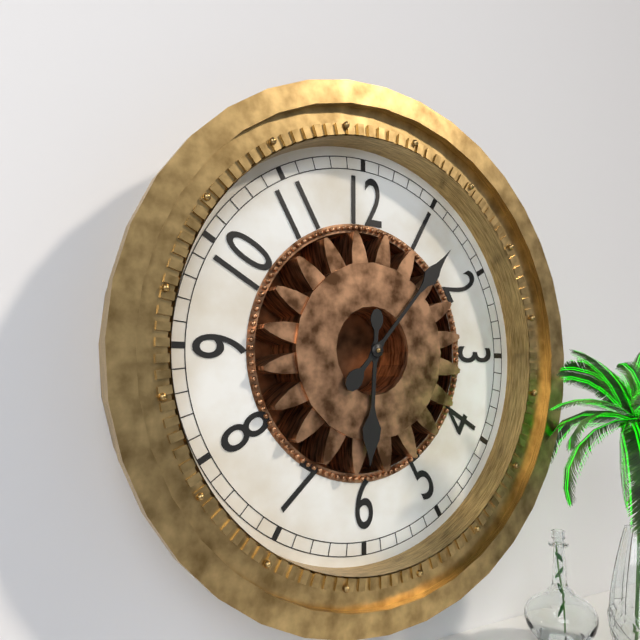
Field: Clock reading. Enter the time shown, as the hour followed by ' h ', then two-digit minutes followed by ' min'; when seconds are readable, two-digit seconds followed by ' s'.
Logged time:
6 h 07 min
